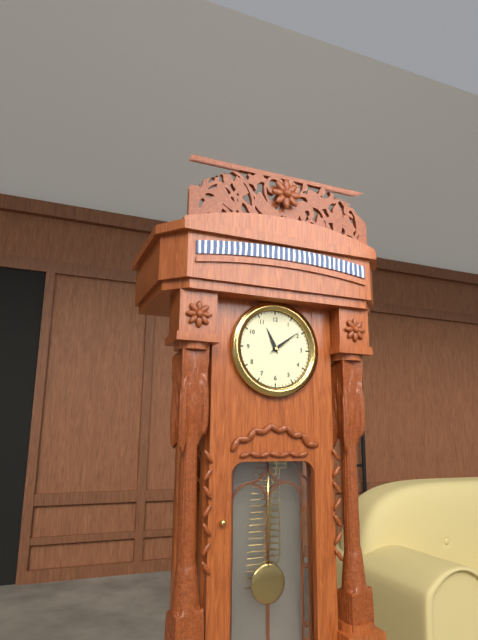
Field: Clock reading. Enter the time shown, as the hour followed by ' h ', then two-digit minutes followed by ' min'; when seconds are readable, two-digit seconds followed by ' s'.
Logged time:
11 h 09 min
